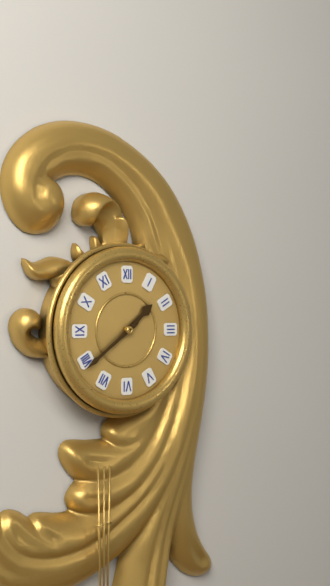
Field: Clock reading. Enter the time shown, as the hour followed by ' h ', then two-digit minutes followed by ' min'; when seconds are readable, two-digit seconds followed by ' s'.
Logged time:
1 h 39 min
